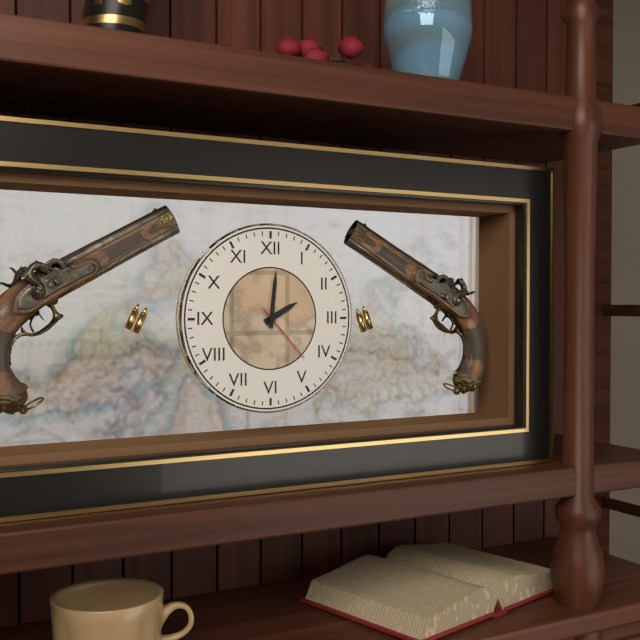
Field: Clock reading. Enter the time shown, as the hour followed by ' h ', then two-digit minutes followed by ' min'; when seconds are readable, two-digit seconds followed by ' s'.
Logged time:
2 h 01 min 23 s
